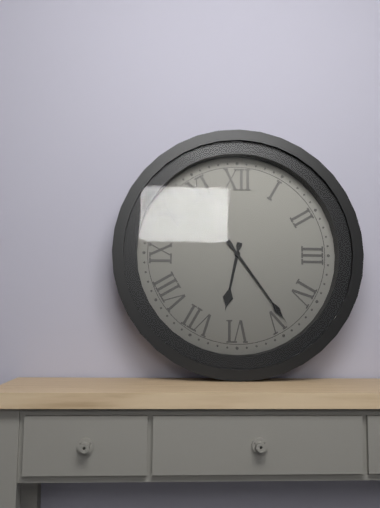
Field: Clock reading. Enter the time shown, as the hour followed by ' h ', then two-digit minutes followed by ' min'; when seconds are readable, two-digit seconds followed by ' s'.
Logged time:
6 h 24 min
